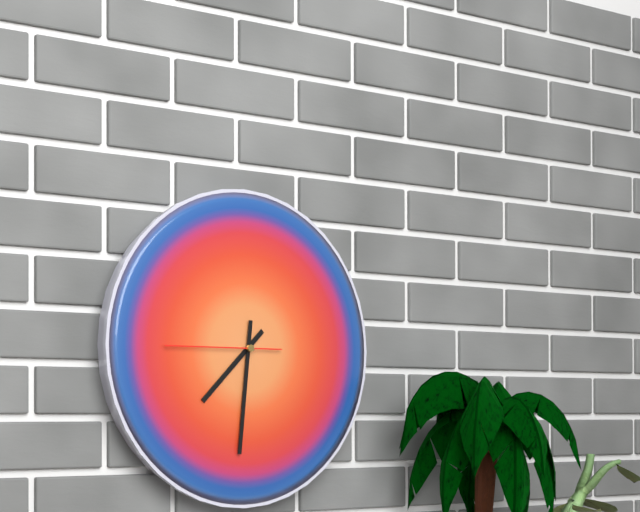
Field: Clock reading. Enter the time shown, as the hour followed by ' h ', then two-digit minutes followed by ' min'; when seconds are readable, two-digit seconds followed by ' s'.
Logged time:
7 h 31 min 45 s
